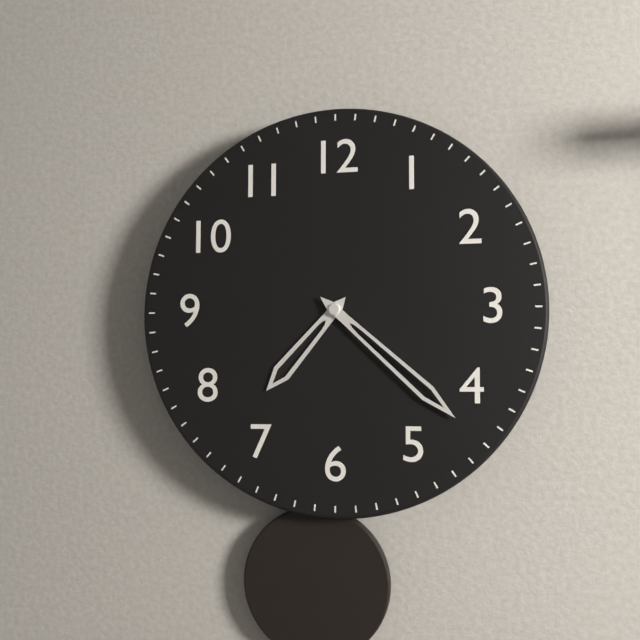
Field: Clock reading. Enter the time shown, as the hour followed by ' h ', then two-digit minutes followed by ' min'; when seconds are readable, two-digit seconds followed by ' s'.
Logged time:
7 h 22 min
